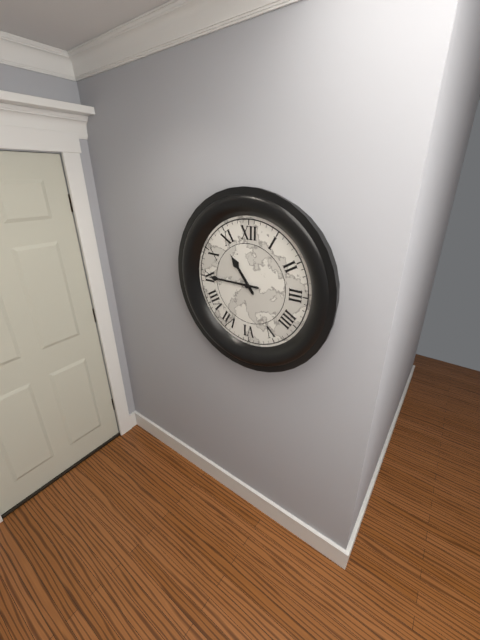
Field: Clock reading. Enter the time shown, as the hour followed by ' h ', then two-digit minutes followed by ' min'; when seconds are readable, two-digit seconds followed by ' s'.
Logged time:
10 h 45 min
